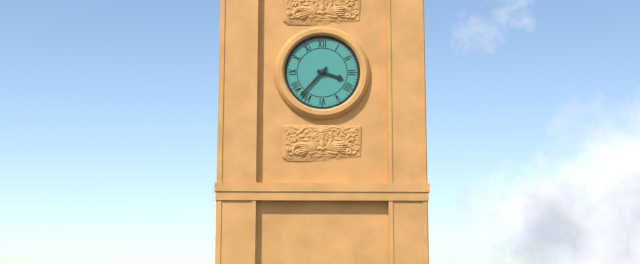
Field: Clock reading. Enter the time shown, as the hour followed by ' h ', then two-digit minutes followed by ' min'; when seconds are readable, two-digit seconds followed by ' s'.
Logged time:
3 h 37 min
